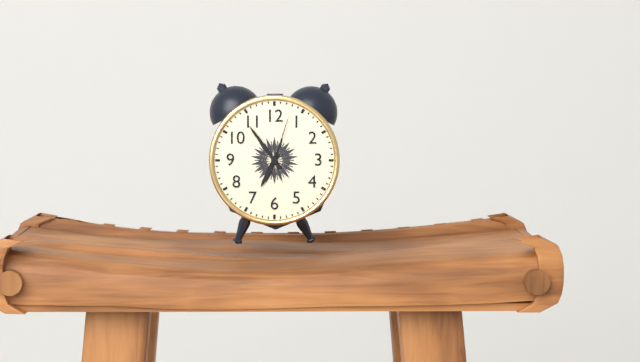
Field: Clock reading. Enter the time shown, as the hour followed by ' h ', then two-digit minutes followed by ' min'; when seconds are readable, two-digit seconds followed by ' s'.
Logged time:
6 h 54 min 03 s
